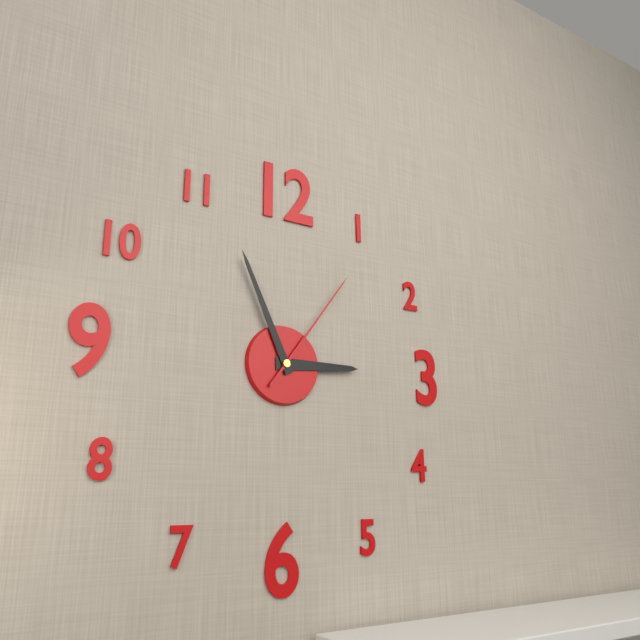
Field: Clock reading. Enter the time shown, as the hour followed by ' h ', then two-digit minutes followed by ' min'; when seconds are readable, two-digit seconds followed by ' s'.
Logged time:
2 h 56 min 06 s
